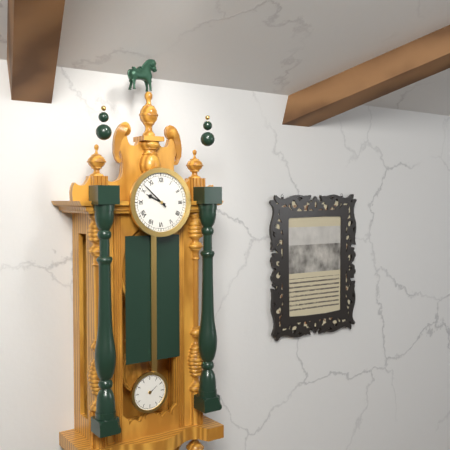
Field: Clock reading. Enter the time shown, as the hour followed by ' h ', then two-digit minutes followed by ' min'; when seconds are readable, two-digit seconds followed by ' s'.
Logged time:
9 h 52 min
